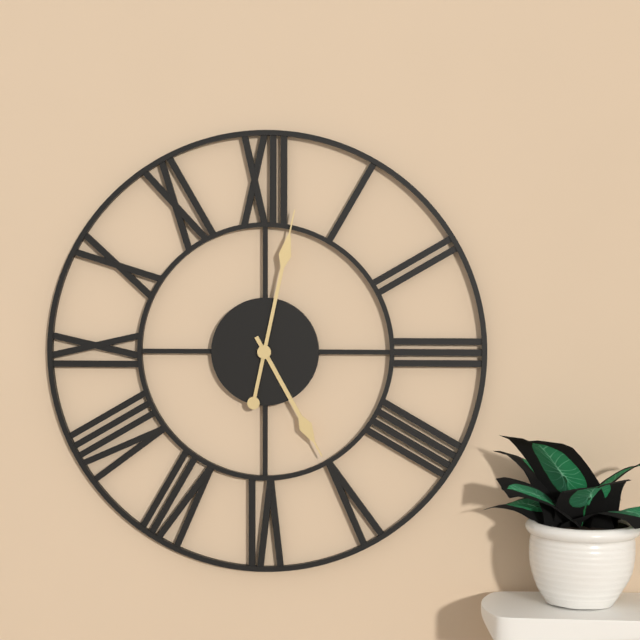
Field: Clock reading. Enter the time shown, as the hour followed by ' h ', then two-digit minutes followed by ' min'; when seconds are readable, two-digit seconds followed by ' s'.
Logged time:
5 h 02 min
